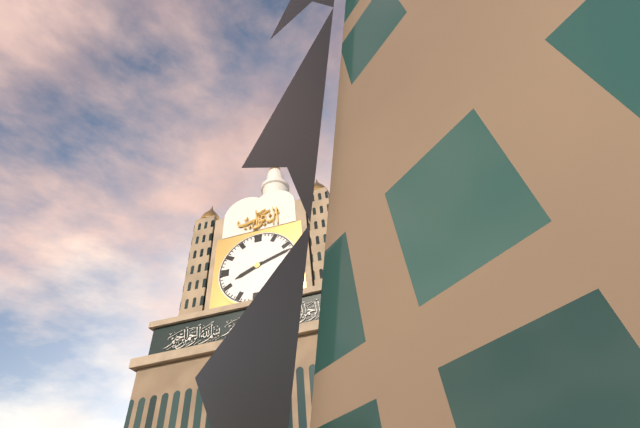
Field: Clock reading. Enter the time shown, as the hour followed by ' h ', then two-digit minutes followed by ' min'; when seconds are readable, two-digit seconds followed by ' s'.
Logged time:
8 h 12 min
